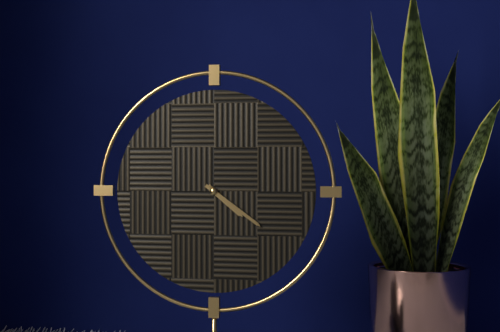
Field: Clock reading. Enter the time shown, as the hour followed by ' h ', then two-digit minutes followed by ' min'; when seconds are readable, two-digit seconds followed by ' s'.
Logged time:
4 h 21 min
